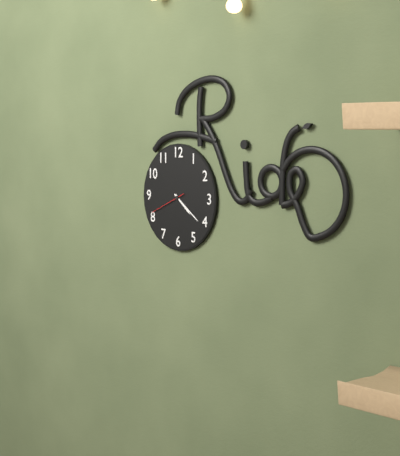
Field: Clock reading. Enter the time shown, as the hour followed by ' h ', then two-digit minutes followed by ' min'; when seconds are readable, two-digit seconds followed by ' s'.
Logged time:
4 h 21 min
